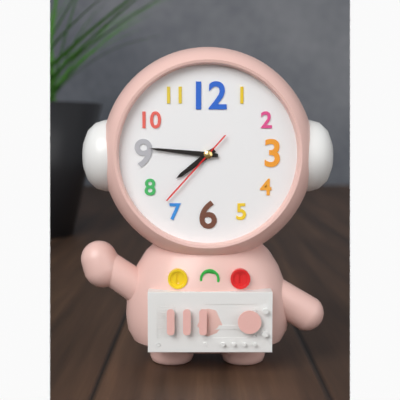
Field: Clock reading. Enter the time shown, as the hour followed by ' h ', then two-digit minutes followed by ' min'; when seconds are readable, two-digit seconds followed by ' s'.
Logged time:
7 h 46 min 37 s
